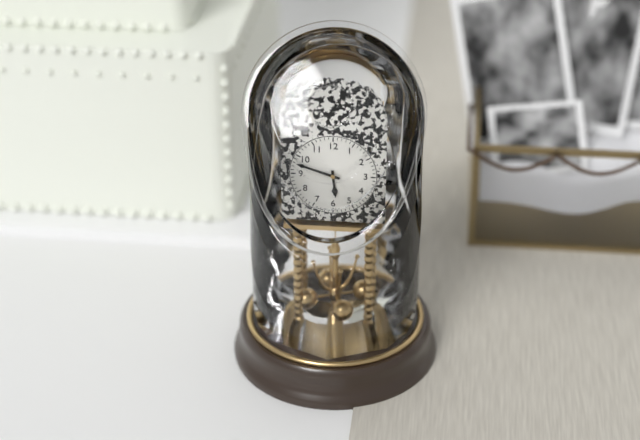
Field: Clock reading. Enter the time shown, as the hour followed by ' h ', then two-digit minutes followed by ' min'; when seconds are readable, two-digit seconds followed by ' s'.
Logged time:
5 h 48 min
